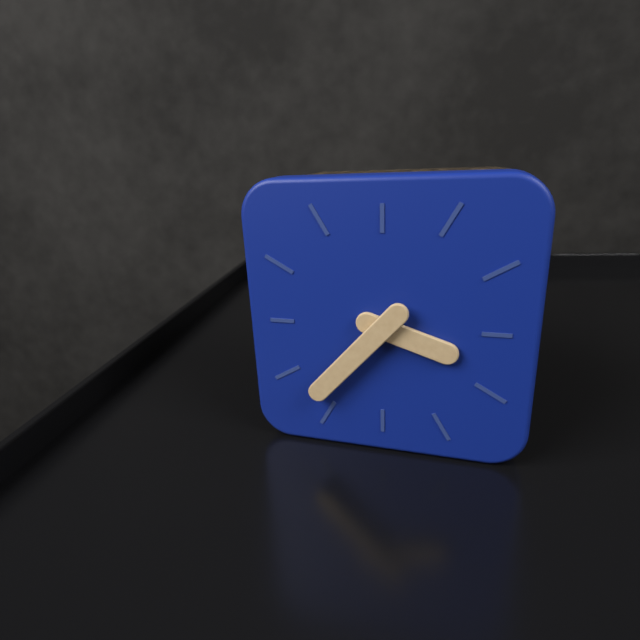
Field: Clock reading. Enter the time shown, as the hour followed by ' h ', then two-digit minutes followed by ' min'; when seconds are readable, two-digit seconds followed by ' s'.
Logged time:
3 h 37 min
